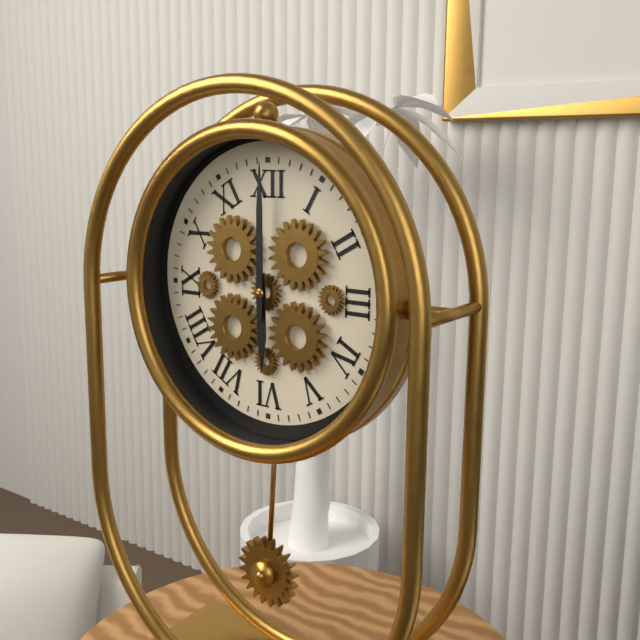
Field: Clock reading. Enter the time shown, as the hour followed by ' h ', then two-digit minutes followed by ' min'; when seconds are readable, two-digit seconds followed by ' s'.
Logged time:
6 h 00 min
